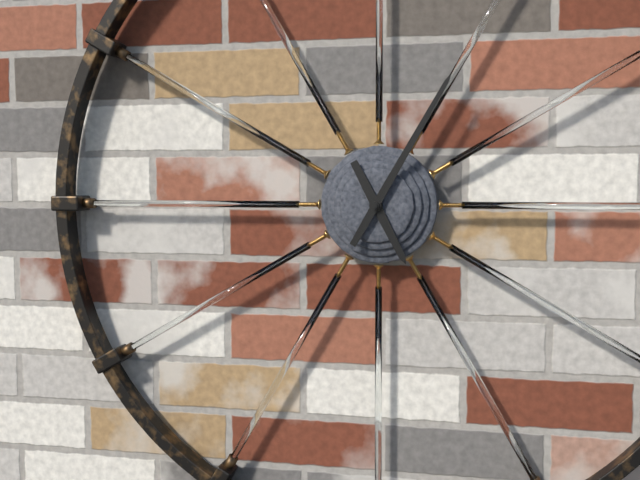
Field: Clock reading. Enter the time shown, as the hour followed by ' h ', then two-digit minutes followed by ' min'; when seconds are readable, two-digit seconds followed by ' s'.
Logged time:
5 h 05 min
